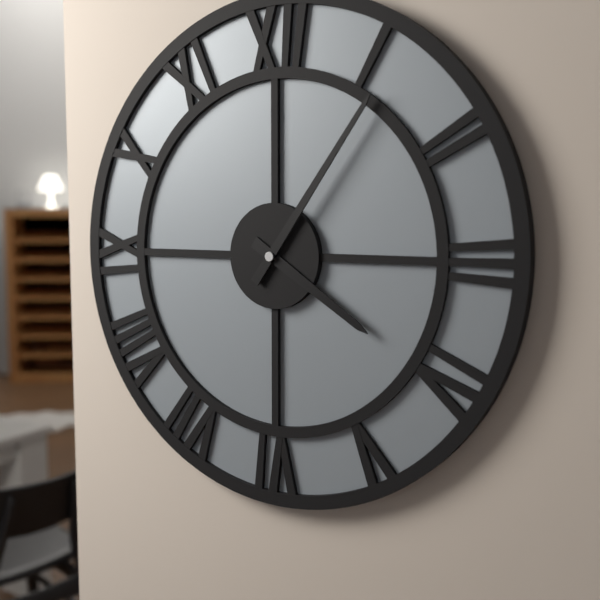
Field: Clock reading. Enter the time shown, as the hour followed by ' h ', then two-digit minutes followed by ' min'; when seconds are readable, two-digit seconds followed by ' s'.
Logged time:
4 h 06 min
